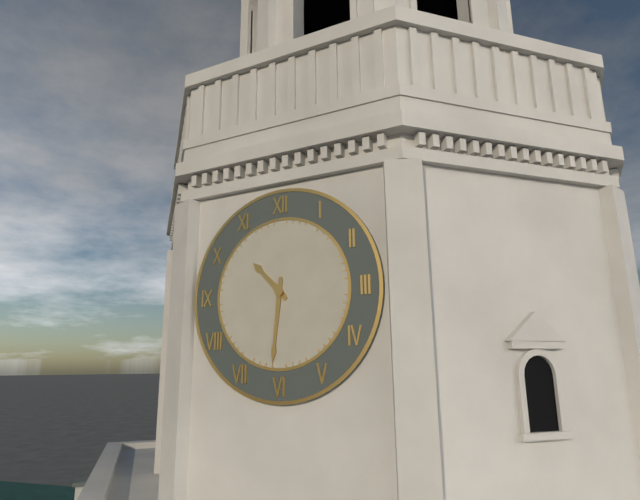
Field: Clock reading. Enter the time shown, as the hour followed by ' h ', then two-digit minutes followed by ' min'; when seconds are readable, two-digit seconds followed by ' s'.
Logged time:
10 h 31 min
